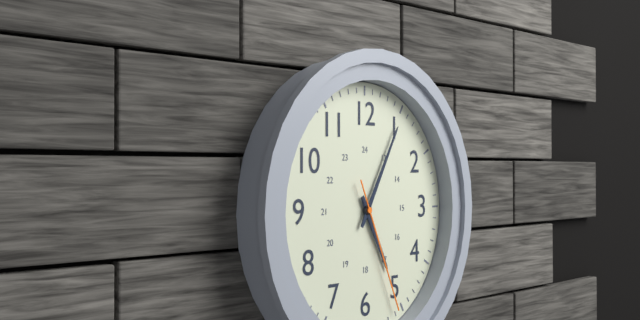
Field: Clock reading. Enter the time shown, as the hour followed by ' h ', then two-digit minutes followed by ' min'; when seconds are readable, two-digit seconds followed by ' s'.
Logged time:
5 h 05 min 26 s
